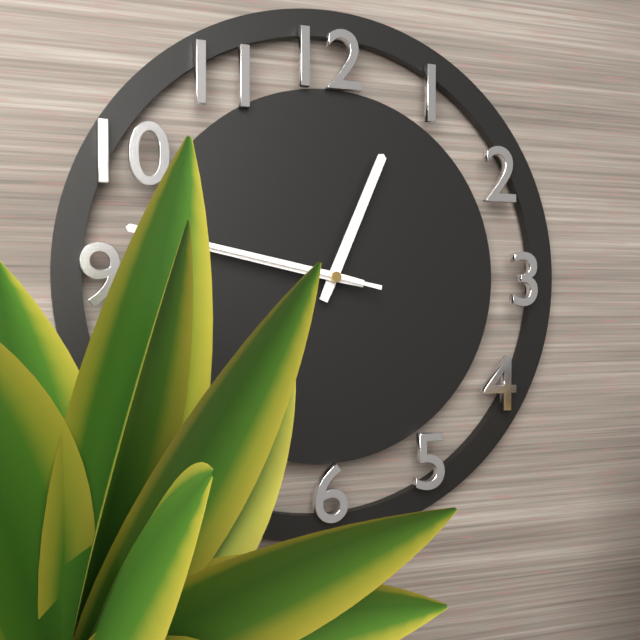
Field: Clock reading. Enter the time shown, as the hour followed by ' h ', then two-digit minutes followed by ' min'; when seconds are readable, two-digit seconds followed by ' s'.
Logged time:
12 h 47 min
